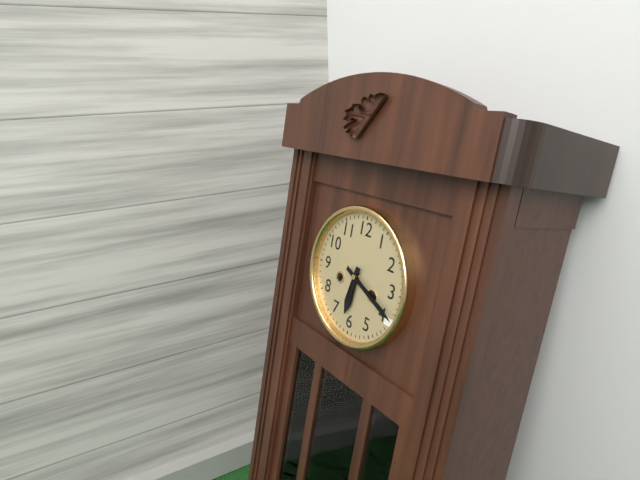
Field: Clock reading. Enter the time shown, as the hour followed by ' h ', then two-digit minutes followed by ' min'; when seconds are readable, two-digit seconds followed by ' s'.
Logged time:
6 h 19 min
